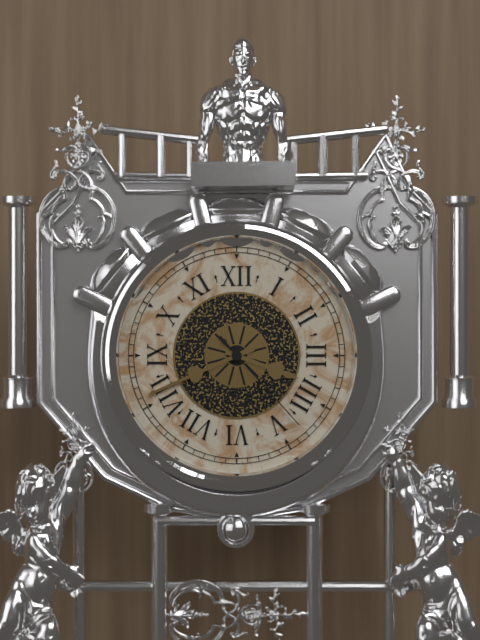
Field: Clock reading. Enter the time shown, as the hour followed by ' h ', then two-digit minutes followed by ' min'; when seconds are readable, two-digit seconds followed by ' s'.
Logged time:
3 h 41 min 23 s
